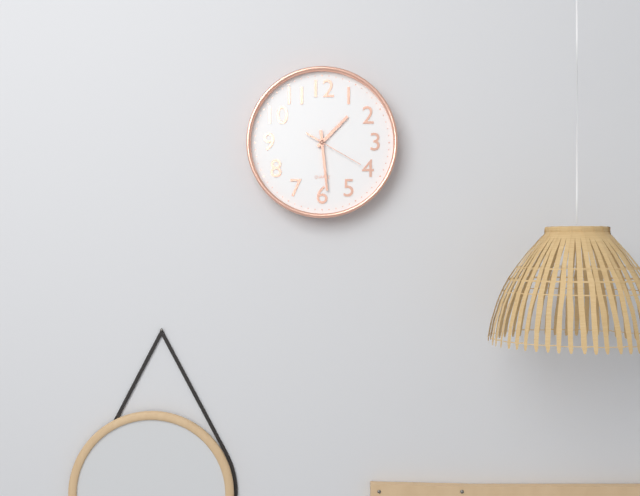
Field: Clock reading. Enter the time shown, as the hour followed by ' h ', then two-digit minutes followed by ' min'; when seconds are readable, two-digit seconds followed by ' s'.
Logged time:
1 h 29 min 20 s
